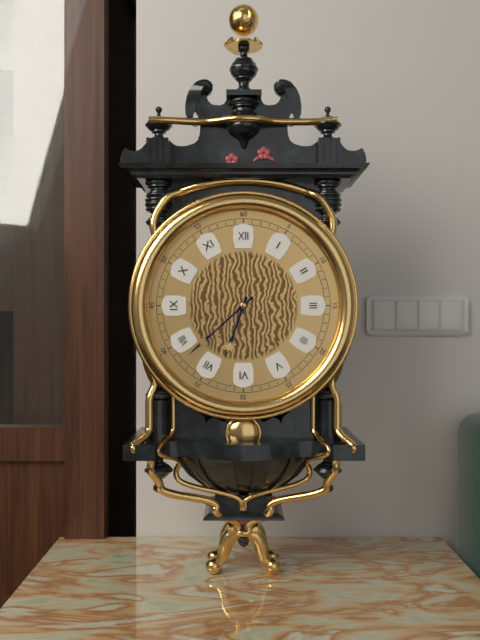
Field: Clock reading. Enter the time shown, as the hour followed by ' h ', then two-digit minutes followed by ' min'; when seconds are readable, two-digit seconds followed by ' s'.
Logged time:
6 h 38 min
